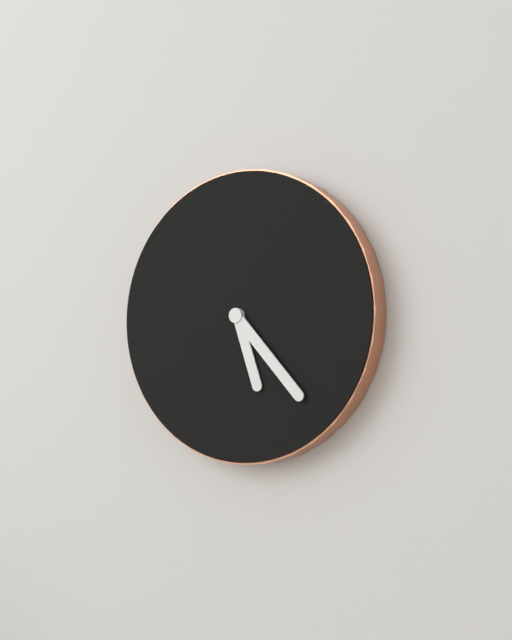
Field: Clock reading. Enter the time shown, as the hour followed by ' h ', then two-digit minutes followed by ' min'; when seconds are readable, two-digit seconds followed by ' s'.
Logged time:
5 h 23 min
